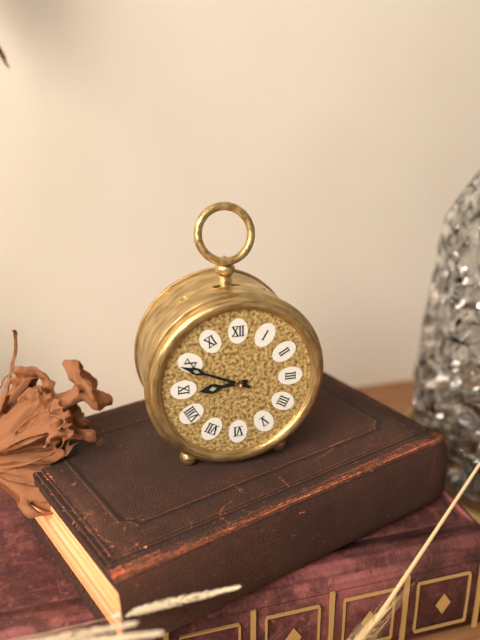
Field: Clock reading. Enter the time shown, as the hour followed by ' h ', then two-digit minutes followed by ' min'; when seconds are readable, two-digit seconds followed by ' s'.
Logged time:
8 h 49 min
